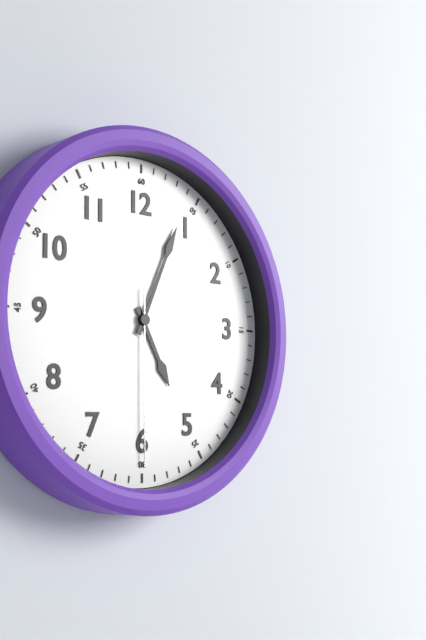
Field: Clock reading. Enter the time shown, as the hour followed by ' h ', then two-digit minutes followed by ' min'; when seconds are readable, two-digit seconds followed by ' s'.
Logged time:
5 h 04 min 30 s
